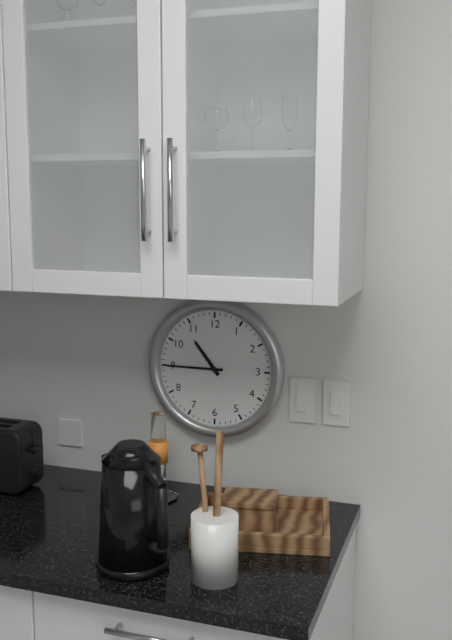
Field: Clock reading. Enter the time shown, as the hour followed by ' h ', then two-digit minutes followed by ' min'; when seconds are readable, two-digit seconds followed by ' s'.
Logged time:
10 h 45 min
